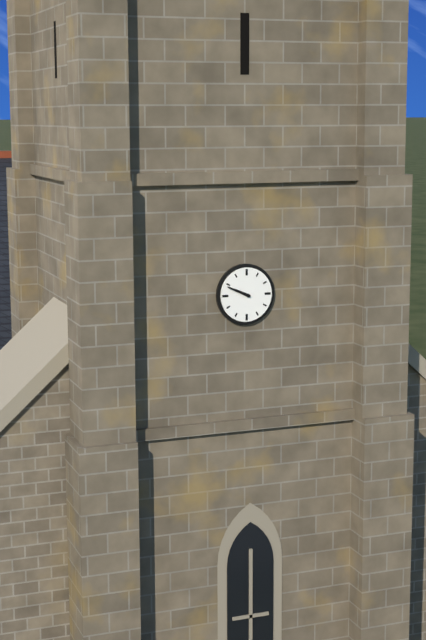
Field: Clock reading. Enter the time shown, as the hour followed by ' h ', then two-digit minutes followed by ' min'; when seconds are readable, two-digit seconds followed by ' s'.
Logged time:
9 h 49 min
